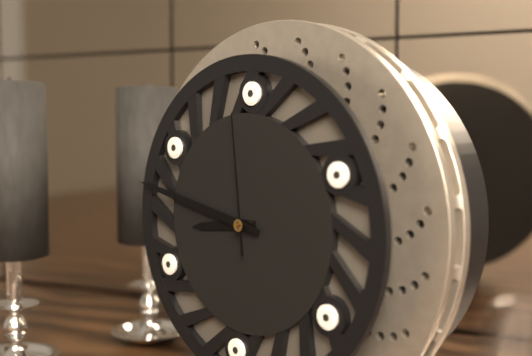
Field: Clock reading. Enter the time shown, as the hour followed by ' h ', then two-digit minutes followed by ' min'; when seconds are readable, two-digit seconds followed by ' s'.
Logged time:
8 h 47 min 59 s
